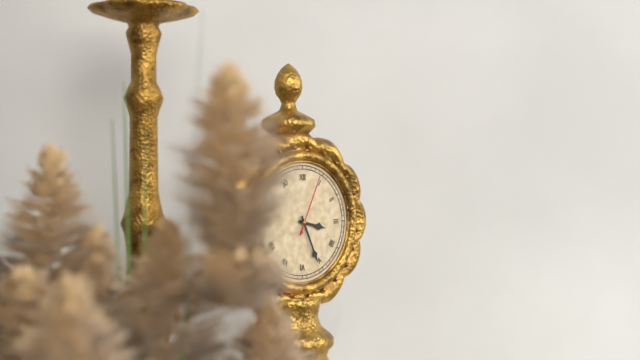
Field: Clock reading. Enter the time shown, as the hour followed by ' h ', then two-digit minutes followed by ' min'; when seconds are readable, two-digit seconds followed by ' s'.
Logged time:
3 h 26 min 04 s
